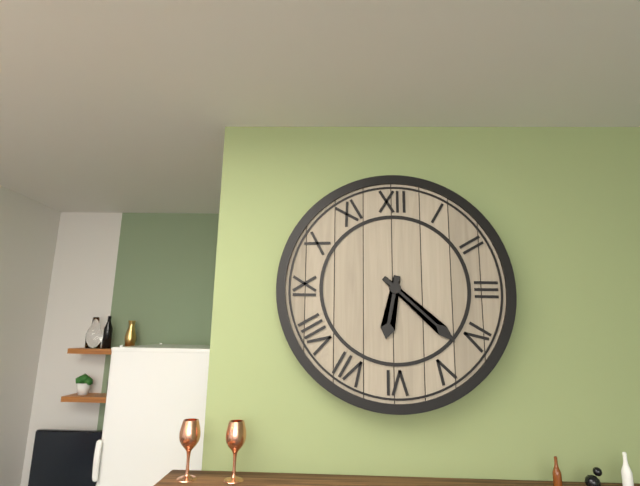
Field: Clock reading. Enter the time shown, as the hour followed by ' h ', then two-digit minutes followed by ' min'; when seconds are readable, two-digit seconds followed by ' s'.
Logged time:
6 h 22 min
